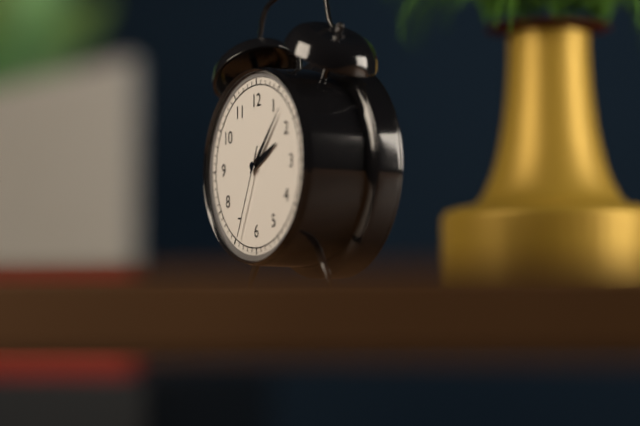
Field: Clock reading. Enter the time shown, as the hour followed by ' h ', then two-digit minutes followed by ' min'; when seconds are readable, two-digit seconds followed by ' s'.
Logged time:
2 h 07 min 34 s
